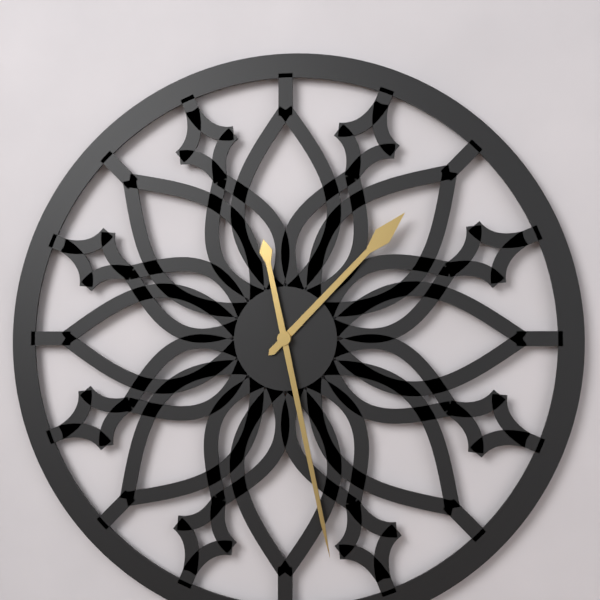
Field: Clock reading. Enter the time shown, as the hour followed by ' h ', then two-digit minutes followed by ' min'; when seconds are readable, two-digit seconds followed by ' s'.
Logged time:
1 h 28 min
